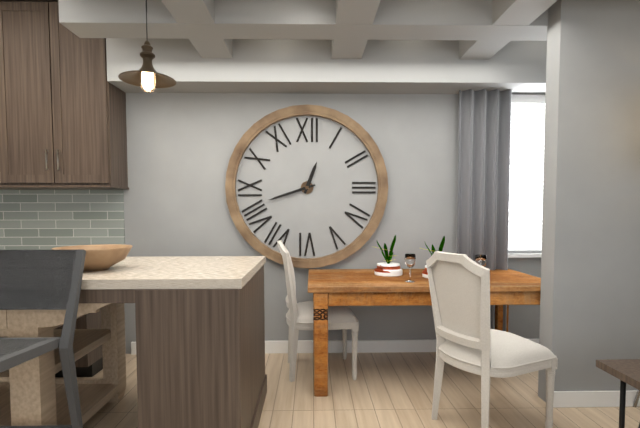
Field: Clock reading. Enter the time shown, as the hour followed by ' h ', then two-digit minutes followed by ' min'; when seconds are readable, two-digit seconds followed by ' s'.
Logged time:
12 h 42 min
